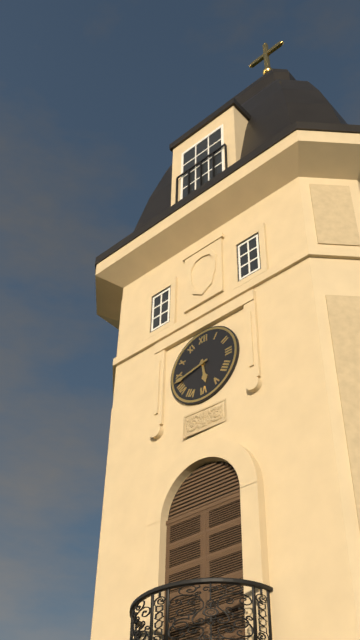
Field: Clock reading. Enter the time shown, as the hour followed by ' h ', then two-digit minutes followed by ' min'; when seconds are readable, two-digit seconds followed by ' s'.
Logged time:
5 h 43 min
